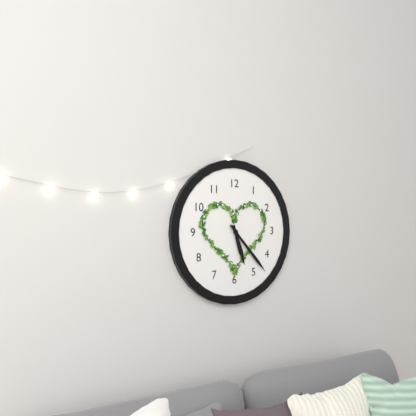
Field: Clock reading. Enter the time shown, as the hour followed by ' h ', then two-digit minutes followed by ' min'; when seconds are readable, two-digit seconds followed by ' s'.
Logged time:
5 h 23 min
